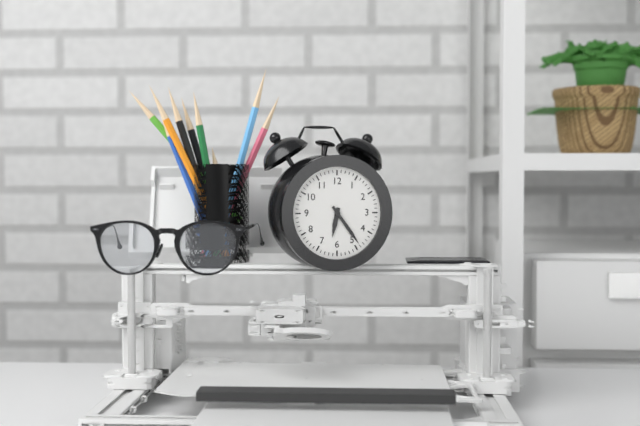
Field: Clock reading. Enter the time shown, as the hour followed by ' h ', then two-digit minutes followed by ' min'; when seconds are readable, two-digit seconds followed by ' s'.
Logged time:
6 h 24 min
